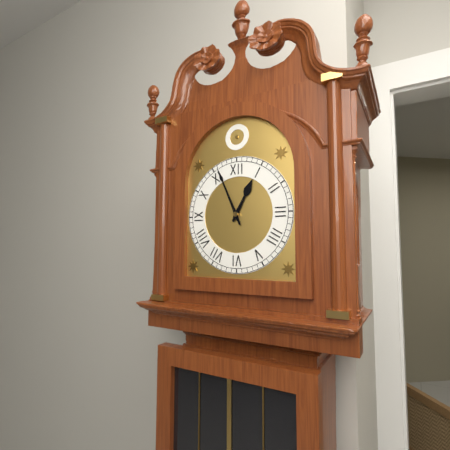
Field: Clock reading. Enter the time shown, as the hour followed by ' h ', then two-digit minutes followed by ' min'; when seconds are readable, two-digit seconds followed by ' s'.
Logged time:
12 h 56 min
